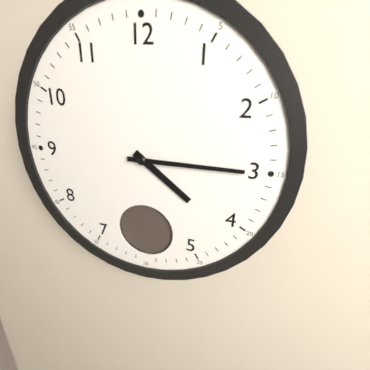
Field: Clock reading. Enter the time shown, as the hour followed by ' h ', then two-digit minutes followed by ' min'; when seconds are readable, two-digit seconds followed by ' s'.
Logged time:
4 h 15 min
